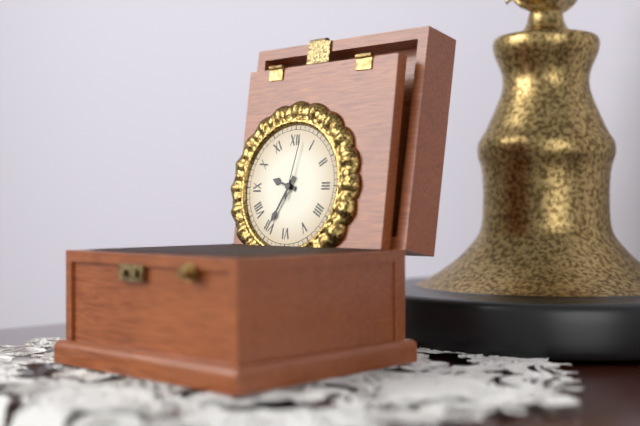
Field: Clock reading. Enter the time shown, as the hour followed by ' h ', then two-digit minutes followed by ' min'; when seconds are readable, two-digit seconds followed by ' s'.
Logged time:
9 h 35 min 02 s
